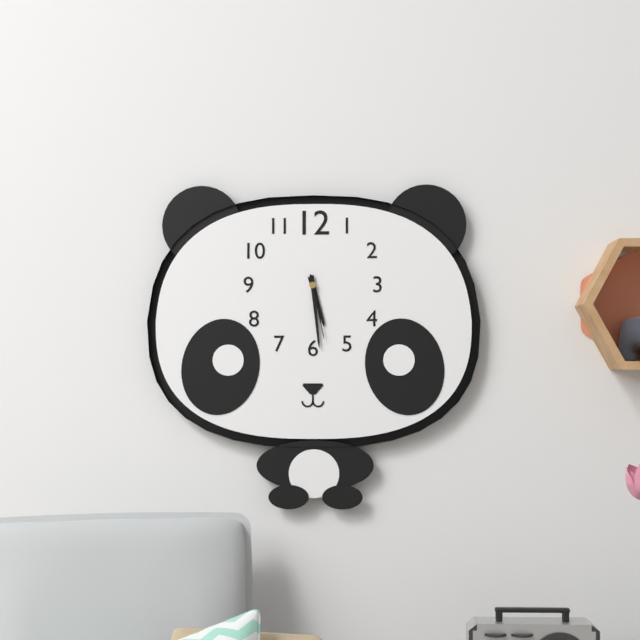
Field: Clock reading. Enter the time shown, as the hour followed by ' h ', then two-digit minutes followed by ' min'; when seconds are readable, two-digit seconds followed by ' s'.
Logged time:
5 h 29 min 28 s
